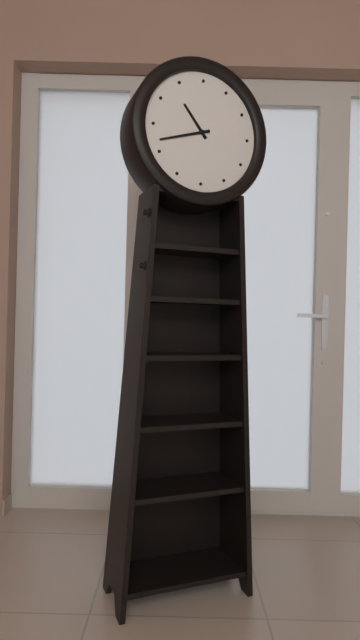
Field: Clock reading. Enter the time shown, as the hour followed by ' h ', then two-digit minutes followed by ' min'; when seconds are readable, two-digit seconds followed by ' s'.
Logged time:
10 h 42 min
